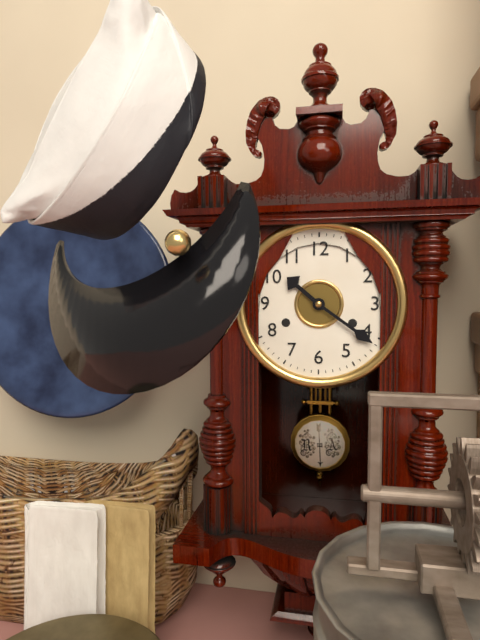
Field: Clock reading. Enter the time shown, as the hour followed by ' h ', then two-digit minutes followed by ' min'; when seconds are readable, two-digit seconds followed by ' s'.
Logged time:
10 h 21 min
